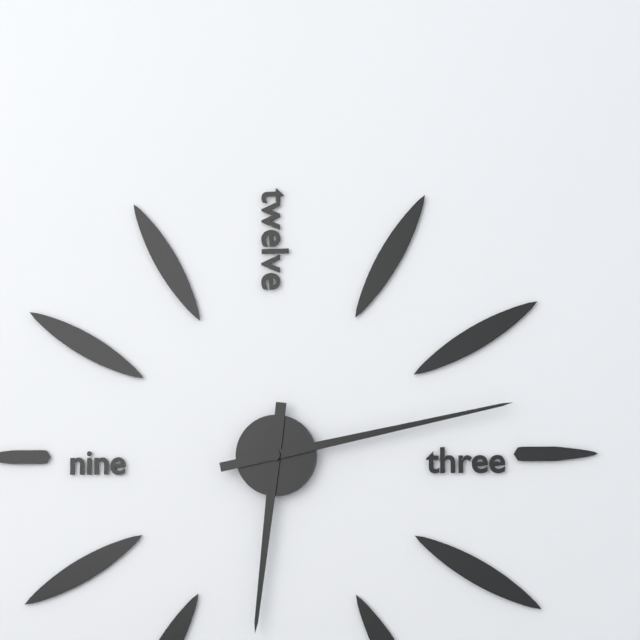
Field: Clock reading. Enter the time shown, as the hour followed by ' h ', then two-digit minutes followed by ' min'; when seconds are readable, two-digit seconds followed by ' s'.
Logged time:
6 h 13 min
